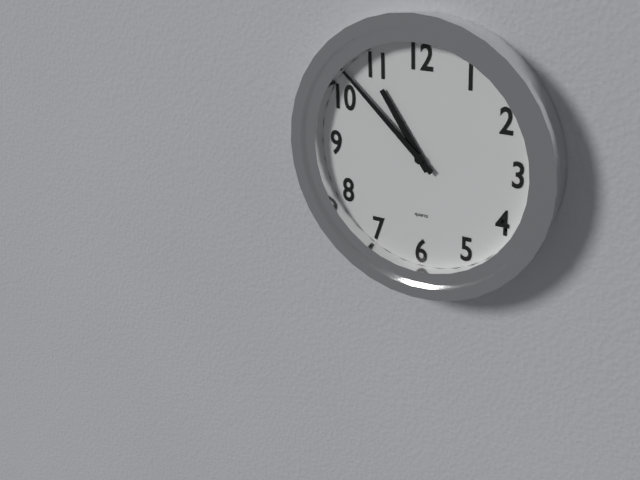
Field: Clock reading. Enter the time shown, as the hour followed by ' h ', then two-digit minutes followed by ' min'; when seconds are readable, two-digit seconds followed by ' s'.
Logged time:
10 h 52 min
